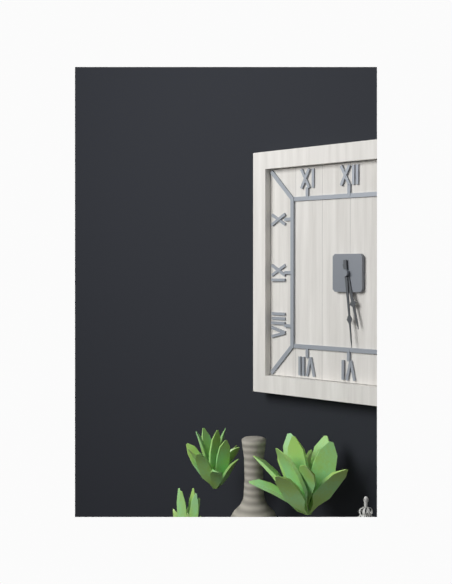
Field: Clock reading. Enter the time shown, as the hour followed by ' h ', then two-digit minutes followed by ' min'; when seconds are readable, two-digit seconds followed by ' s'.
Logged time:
5 h 29 min
